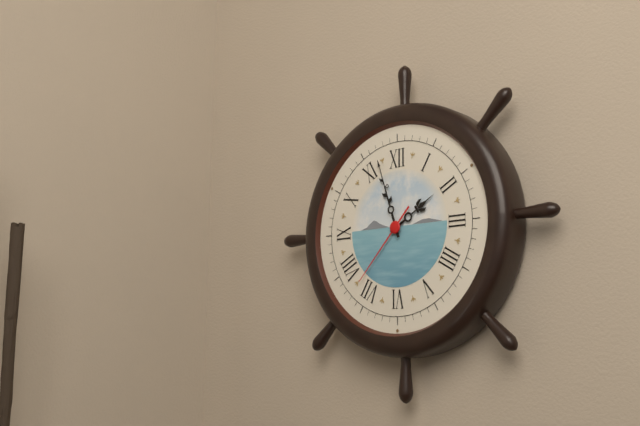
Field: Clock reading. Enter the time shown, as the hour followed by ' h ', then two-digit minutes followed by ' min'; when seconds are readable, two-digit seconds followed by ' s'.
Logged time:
1 h 57 min 37 s
